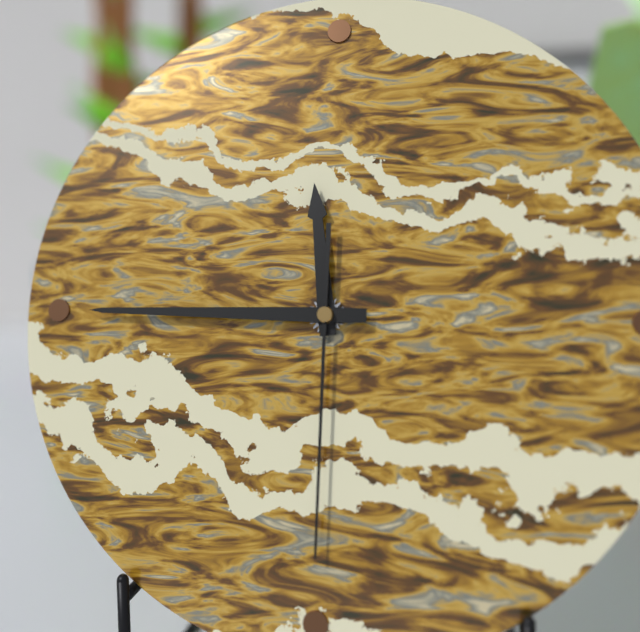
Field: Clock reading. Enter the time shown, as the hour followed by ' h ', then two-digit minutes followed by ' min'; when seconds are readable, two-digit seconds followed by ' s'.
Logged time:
11 h 45 min 30 s
